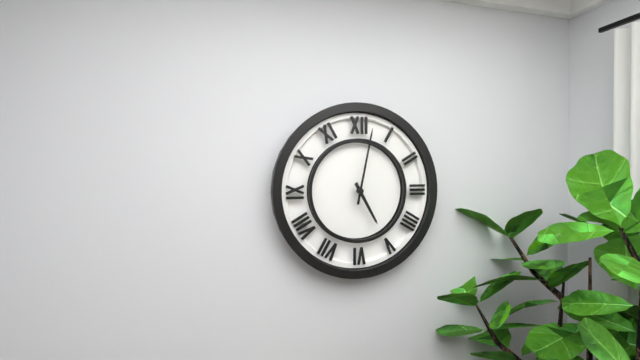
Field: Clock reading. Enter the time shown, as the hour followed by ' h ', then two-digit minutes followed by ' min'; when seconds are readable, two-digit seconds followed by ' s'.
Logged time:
5 h 02 min
